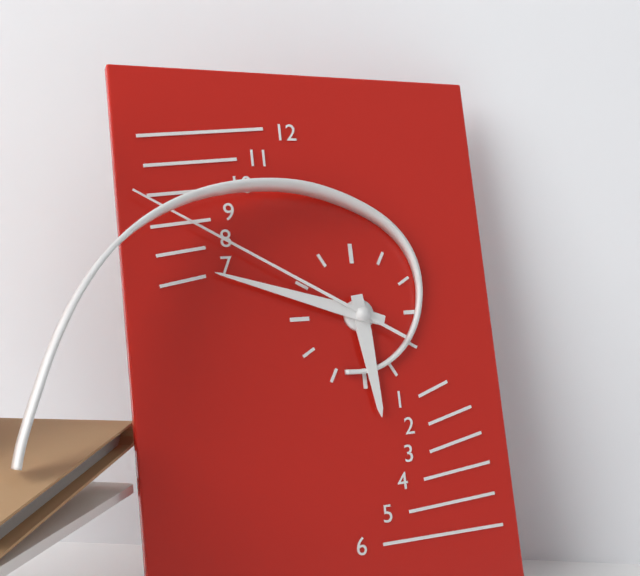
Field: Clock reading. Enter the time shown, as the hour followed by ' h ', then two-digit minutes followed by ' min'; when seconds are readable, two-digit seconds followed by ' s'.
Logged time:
5 h 48 min 50 s
